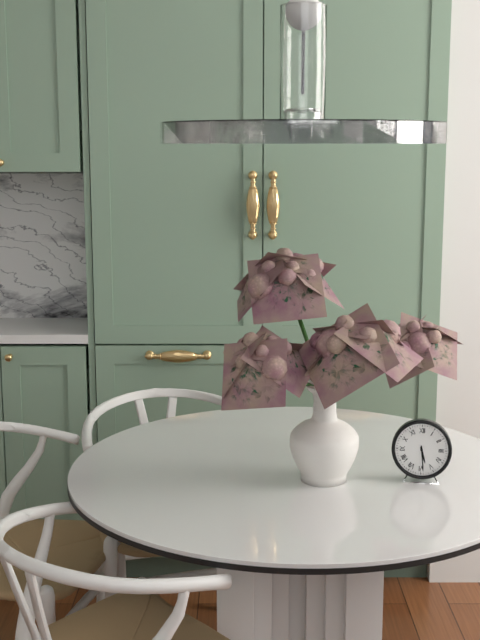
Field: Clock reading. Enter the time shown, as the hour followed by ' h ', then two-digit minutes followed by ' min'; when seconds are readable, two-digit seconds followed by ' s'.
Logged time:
5 h 29 min
